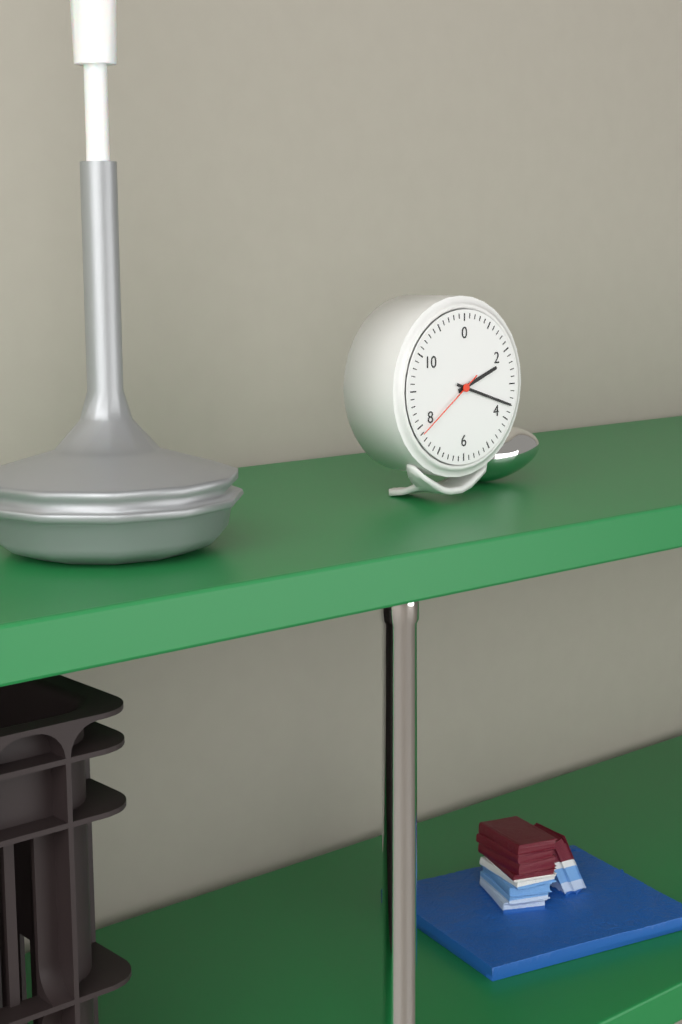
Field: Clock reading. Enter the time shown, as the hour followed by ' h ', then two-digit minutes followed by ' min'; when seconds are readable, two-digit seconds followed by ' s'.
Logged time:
2 h 18 min 39 s
